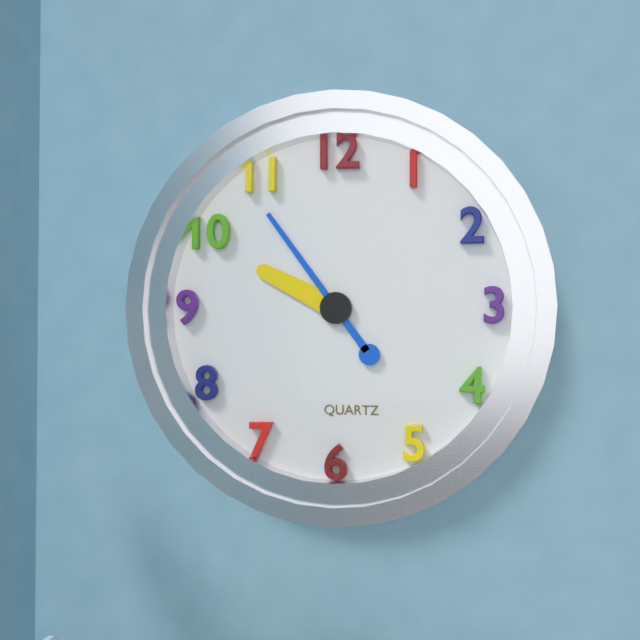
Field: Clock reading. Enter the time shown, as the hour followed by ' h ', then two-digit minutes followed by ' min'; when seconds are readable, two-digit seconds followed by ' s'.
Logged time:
9 h 54 min
